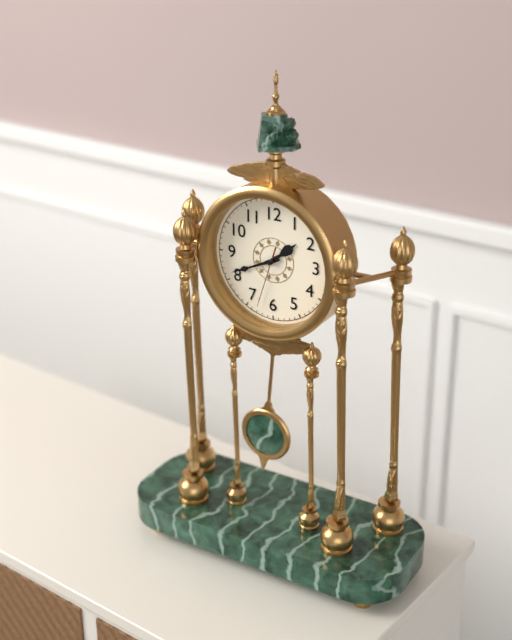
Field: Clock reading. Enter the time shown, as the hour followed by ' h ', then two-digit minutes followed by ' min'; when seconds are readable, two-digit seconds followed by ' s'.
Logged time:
1 h 41 min 33 s
